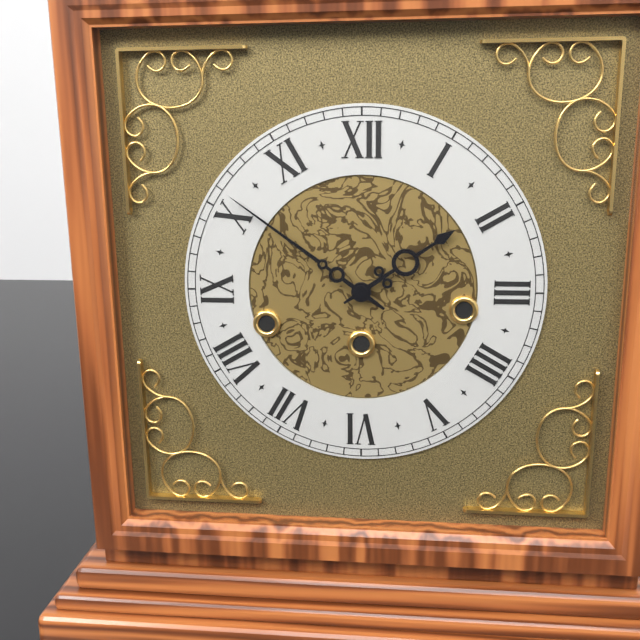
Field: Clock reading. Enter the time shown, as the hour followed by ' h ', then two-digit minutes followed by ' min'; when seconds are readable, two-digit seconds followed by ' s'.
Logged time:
1 h 51 min
